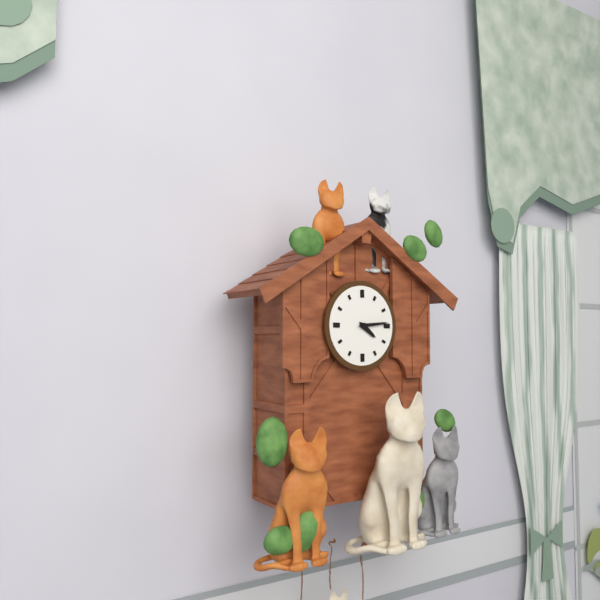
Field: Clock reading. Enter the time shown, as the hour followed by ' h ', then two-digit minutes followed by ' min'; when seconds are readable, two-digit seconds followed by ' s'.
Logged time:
4 h 14 min
